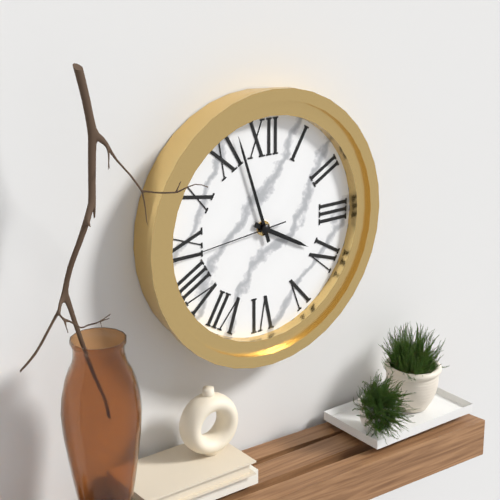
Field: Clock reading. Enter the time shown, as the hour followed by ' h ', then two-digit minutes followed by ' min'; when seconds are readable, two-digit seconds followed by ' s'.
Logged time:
3 h 57 min 44 s
